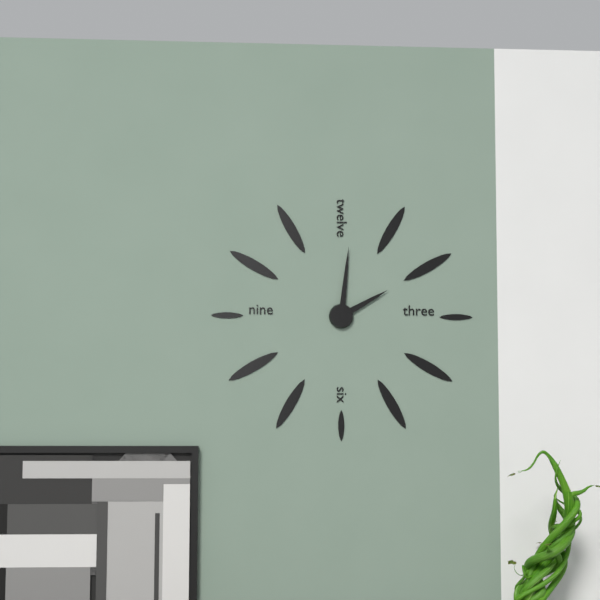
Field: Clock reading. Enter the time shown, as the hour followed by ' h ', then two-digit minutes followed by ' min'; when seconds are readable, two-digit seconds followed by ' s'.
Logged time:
2 h 01 min
